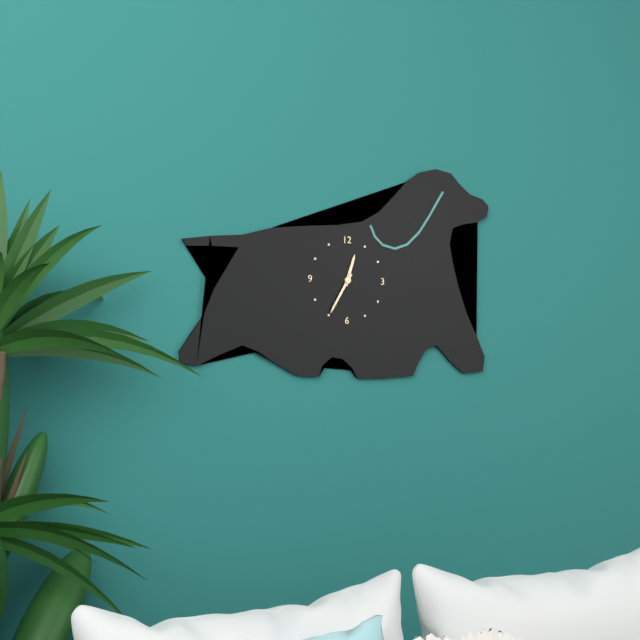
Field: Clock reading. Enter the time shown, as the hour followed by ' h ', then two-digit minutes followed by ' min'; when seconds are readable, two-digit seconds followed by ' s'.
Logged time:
12 h 35 min
